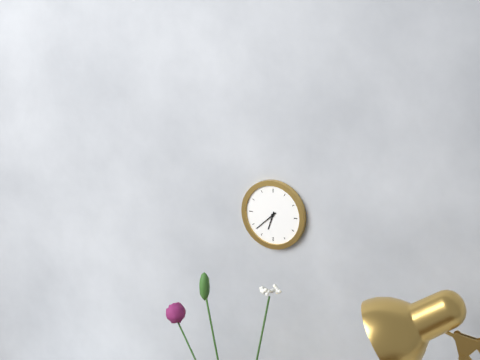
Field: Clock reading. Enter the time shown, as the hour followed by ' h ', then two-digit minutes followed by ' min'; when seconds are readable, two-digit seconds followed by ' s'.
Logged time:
6 h 38 min
